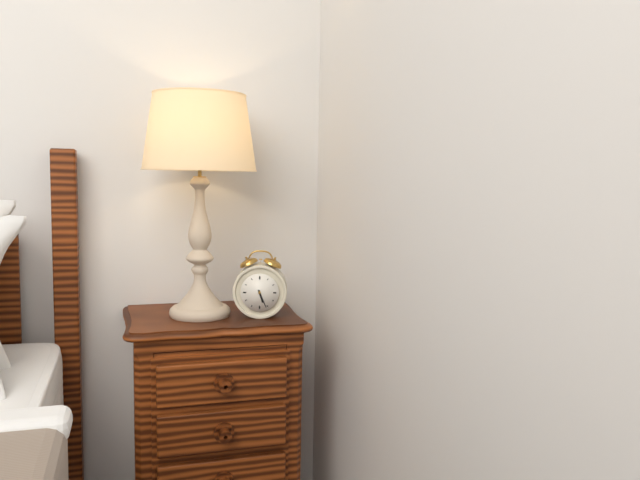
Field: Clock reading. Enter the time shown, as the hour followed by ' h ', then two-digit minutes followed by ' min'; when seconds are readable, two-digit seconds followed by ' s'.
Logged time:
5 h 26 min
